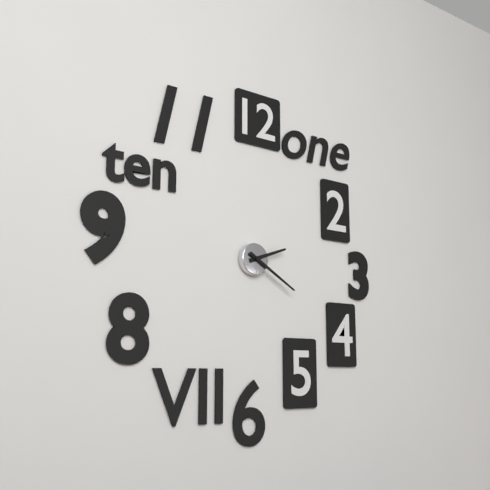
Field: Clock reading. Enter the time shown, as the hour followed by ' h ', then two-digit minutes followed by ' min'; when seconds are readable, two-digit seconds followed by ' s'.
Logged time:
2 h 20 min
